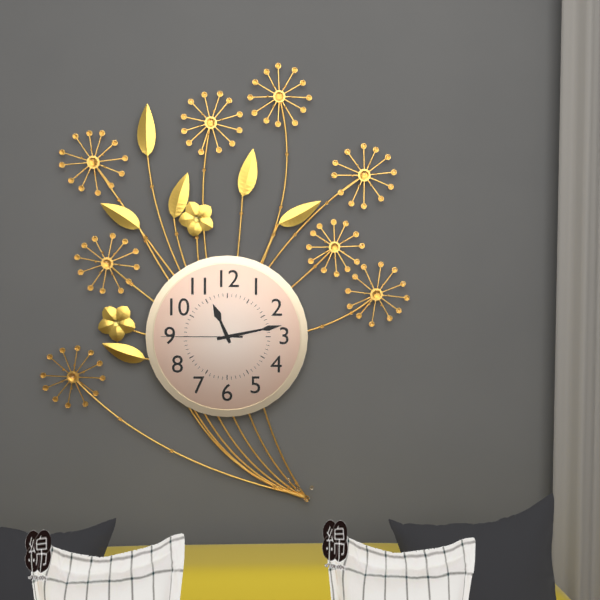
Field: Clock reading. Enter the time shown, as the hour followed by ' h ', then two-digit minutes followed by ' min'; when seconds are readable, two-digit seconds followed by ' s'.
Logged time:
11 h 13 min 45 s
